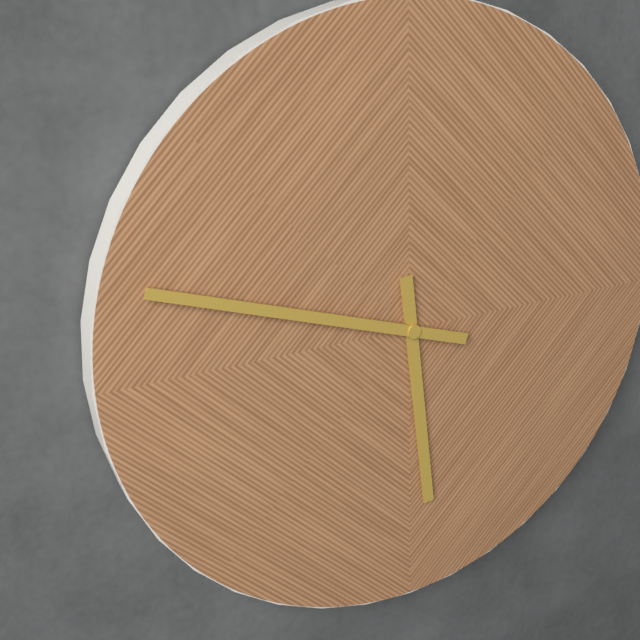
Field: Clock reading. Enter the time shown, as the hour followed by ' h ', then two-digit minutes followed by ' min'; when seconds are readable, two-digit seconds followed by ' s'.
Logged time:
5 h 48 min
